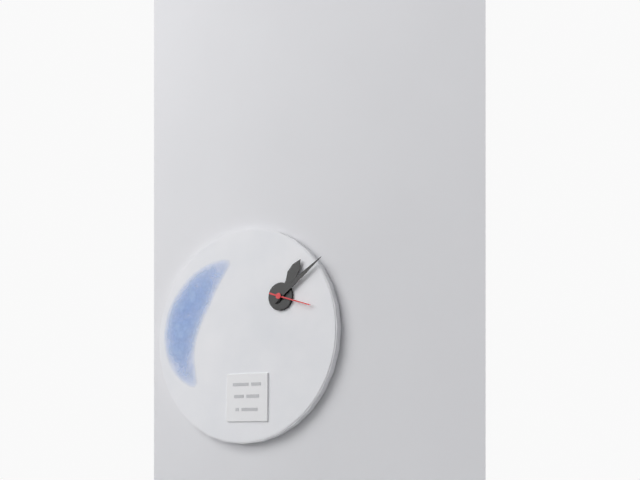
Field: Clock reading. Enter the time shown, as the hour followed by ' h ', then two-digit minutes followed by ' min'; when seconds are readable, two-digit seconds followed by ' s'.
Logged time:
1 h 09 min
